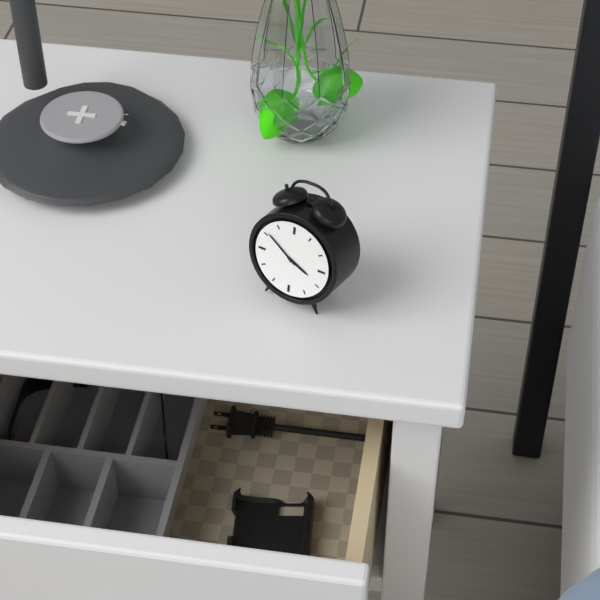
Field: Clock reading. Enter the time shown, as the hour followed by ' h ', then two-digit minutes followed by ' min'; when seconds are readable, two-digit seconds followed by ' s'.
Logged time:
3 h 51 min
